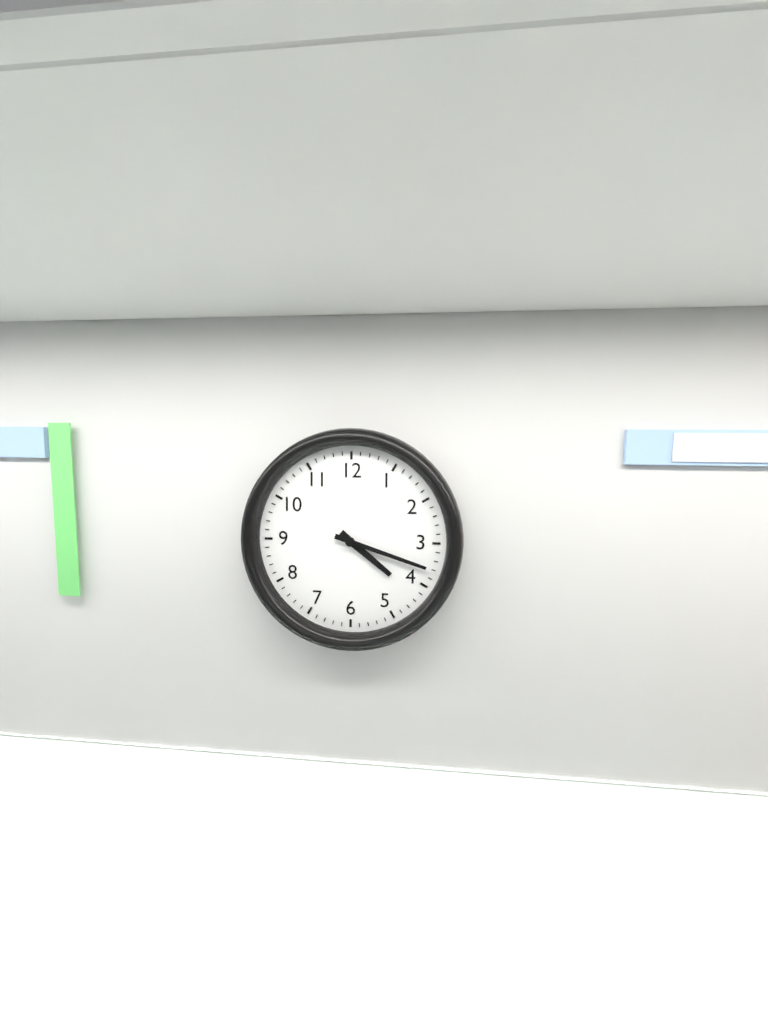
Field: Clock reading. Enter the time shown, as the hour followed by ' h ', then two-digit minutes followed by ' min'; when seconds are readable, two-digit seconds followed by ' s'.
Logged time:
4 h 18 min
